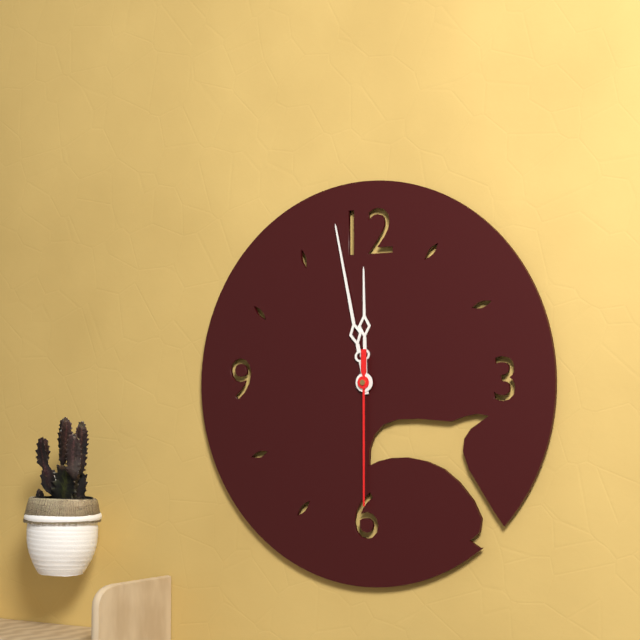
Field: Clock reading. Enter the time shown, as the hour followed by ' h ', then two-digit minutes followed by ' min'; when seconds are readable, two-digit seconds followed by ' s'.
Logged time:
11 h 58 min 30 s
